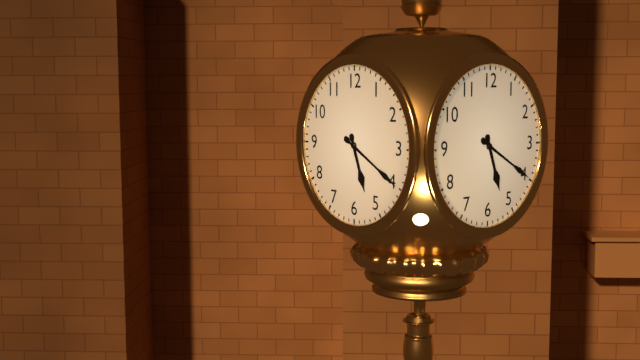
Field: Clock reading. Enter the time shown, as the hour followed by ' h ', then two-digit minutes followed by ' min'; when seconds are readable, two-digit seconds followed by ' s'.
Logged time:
5 h 20 min
